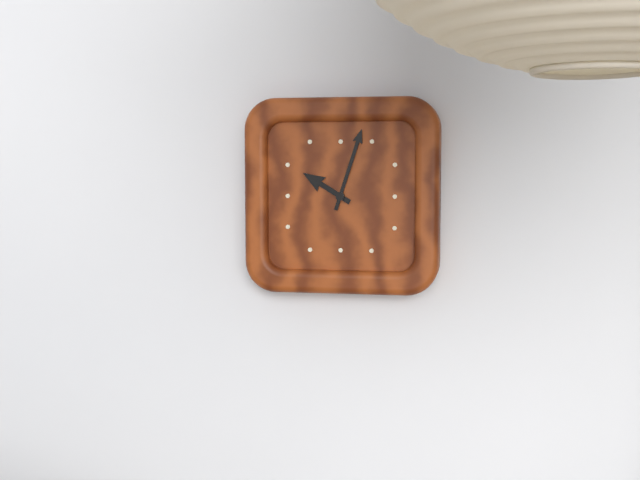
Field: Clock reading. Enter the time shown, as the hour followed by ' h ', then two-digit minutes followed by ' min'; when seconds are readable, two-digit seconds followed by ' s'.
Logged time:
10 h 03 min
